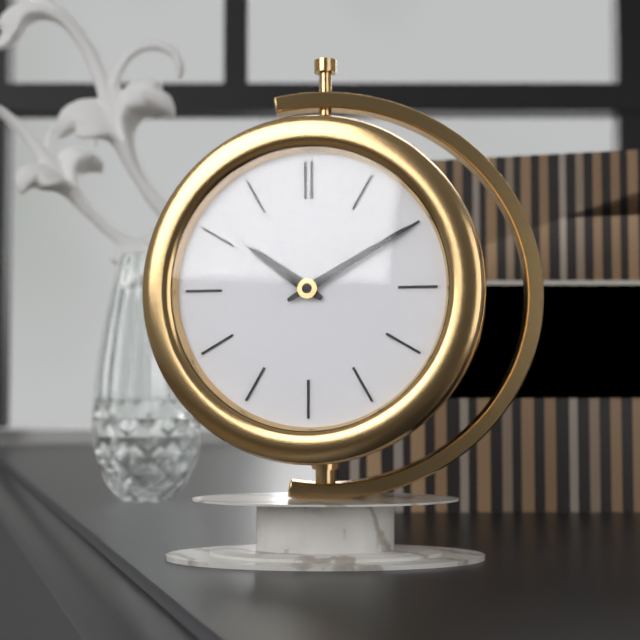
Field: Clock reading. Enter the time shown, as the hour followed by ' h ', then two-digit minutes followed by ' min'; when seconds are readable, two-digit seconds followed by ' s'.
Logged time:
10 h 10 min
